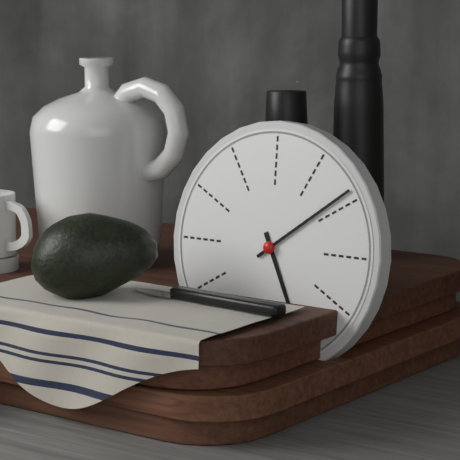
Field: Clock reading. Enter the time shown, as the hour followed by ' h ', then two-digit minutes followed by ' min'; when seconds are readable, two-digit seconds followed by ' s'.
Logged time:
5 h 09 min
